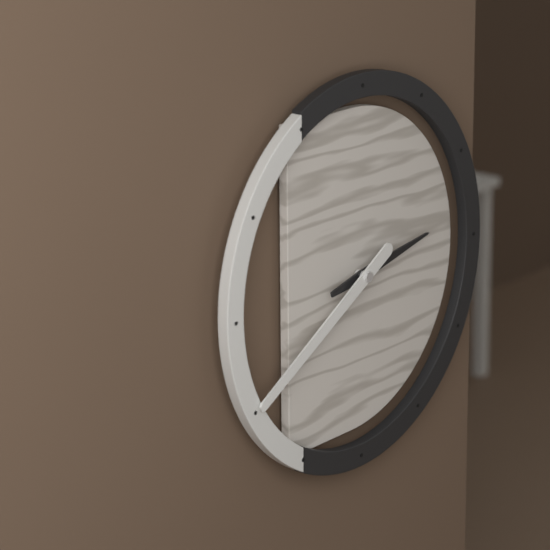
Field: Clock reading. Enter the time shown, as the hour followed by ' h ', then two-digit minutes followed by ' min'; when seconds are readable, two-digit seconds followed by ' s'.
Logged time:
2 h 40 min
